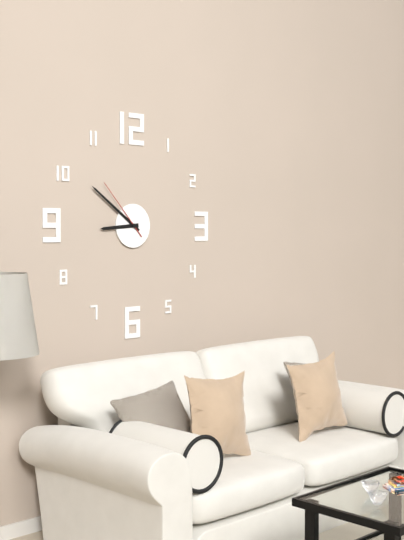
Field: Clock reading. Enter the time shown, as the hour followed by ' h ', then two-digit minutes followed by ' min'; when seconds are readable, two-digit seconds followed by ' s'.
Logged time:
8 h 51 min 53 s
